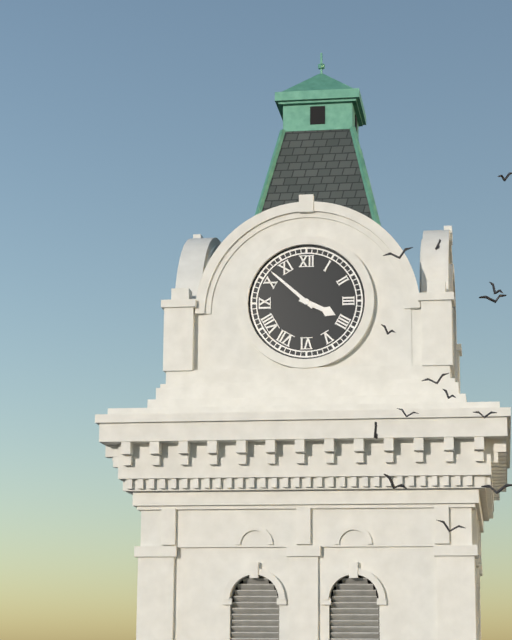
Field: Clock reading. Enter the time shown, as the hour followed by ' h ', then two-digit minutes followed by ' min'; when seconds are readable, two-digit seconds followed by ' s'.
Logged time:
3 h 52 min
